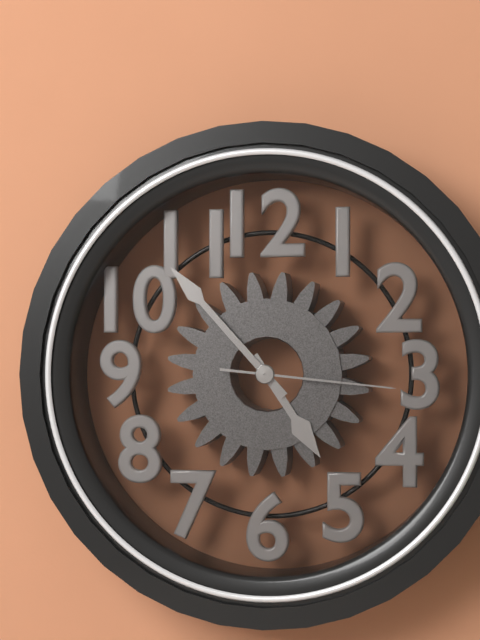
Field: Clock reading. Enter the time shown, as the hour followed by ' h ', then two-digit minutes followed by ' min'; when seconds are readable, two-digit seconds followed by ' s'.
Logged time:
4 h 53 min 16 s
